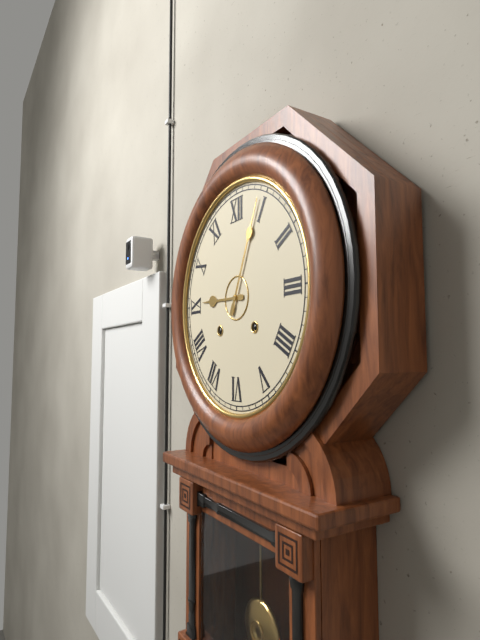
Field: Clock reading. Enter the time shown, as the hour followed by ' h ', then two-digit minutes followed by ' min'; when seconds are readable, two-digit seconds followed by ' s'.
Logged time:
9 h 04 min
